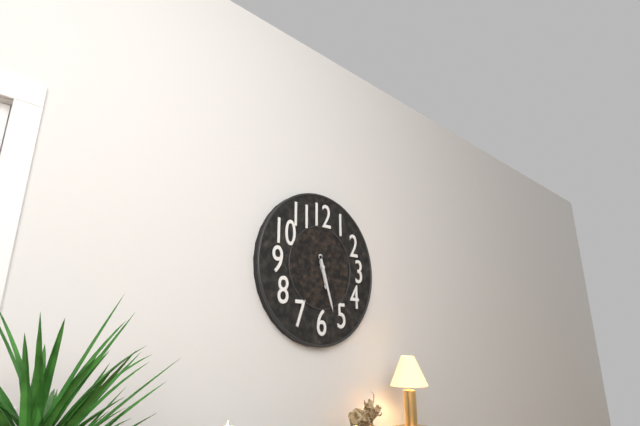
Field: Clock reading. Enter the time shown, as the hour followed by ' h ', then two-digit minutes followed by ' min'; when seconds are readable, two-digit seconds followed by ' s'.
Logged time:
5 h 27 min
